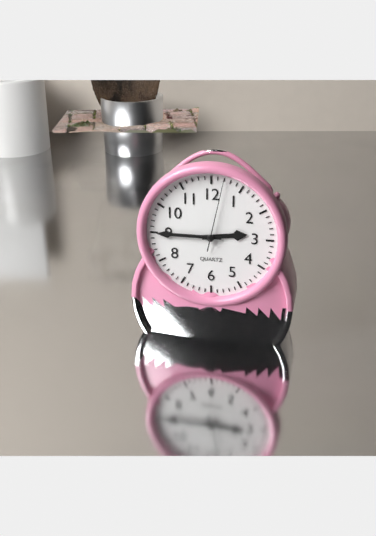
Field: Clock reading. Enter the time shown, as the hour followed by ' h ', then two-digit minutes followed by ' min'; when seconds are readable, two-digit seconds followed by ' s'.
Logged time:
2 h 45 min 02 s
